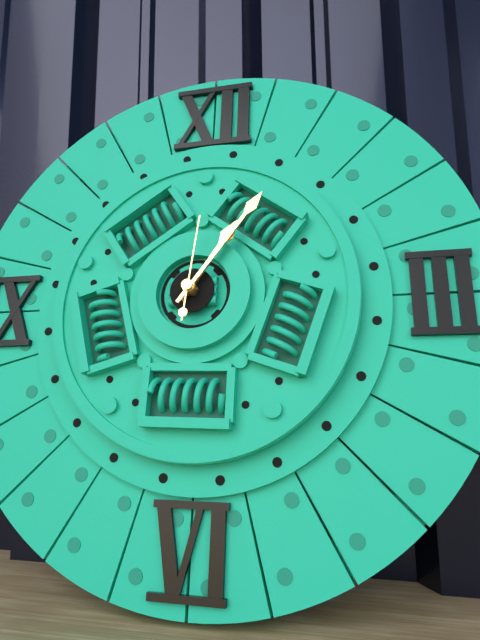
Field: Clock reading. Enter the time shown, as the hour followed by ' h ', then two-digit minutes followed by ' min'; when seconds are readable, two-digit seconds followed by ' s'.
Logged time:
1 h 06 min 01 s
